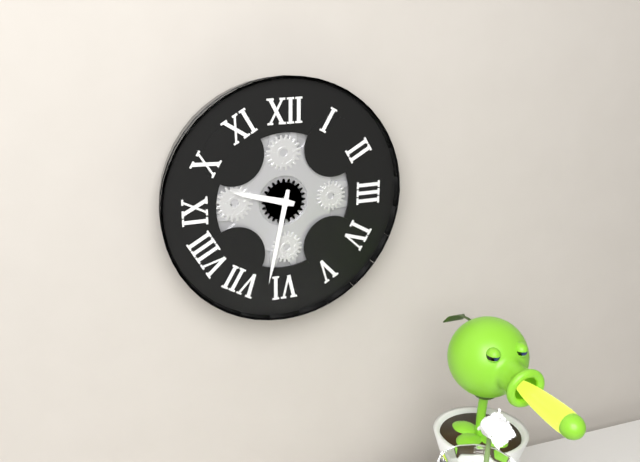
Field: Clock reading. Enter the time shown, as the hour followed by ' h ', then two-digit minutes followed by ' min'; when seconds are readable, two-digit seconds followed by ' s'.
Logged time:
9 h 32 min
